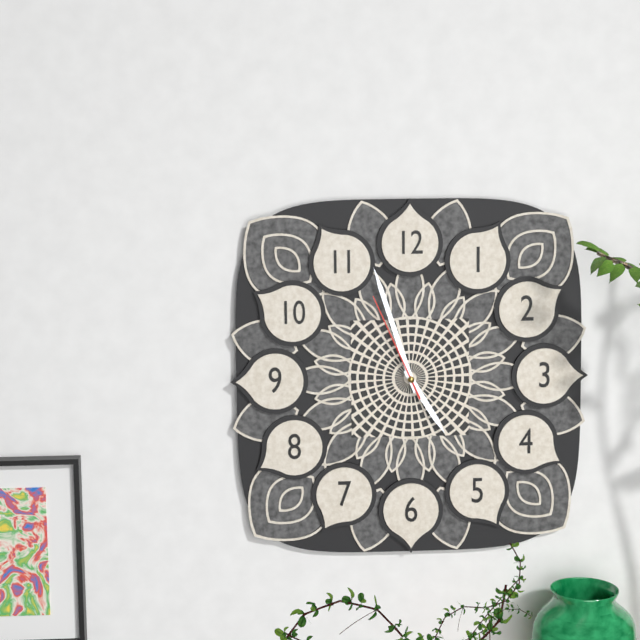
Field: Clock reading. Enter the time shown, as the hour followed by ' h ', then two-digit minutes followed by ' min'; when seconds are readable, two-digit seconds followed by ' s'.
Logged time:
4 h 57 min 56 s
